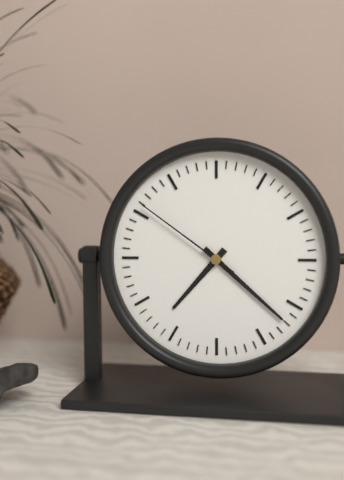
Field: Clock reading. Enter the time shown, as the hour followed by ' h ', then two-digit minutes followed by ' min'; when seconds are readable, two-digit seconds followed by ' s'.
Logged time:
7 h 22 min 51 s
